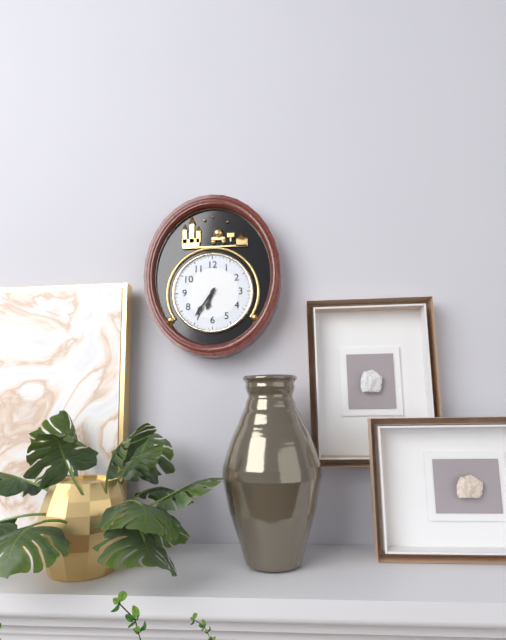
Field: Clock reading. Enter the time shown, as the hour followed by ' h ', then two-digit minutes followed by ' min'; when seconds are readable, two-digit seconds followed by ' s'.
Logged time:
6 h 36 min
